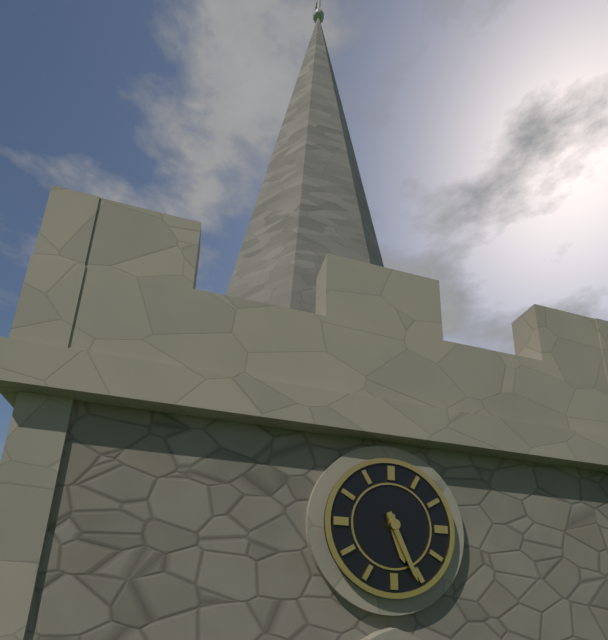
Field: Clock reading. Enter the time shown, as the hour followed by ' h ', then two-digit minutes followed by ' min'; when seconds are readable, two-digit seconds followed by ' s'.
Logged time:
5 h 26 min
